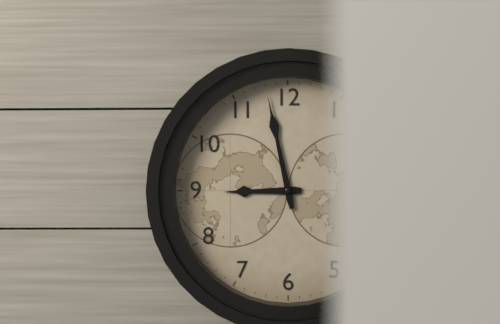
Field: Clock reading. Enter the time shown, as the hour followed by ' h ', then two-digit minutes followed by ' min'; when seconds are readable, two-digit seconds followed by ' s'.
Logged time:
8 h 58 min
